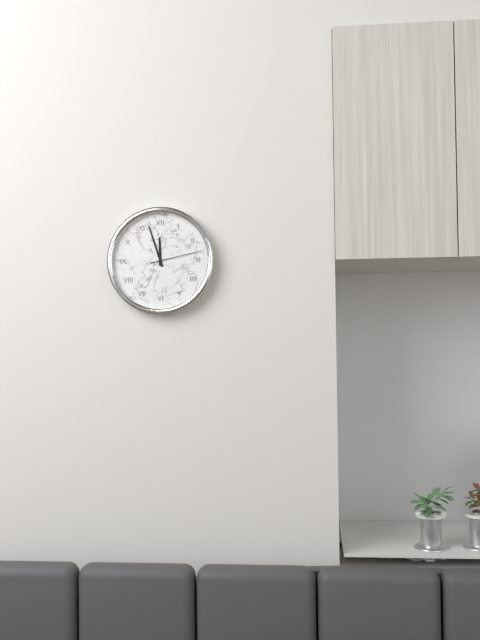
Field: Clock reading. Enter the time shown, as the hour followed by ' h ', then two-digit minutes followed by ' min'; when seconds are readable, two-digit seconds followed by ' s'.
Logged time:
11 h 57 min 13 s
